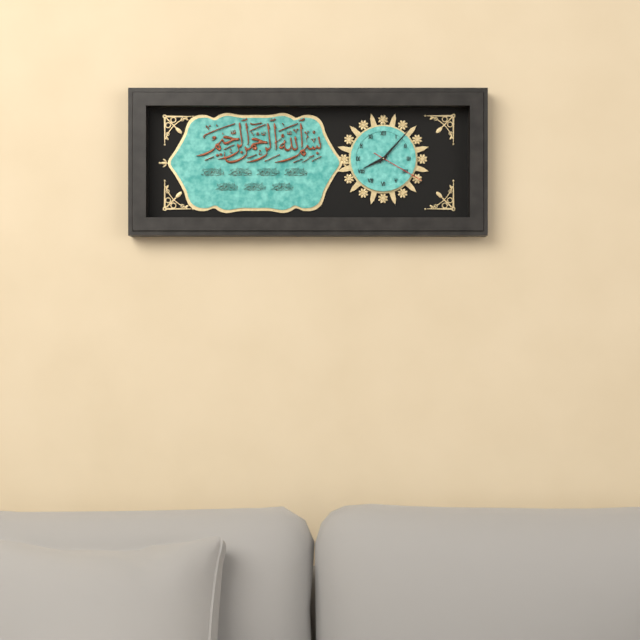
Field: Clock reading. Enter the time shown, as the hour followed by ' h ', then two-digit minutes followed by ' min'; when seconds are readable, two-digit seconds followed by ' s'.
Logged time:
8 h 07 min 20 s
